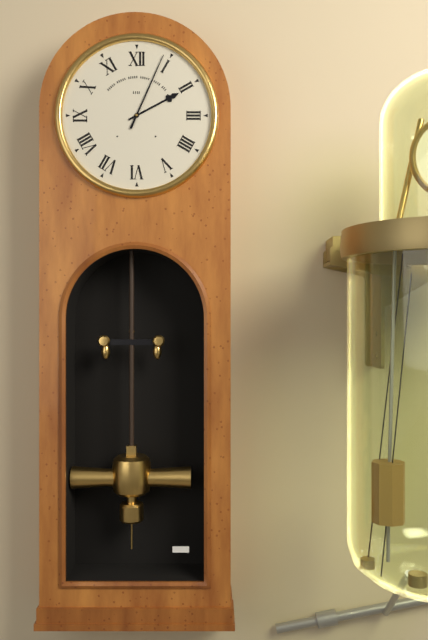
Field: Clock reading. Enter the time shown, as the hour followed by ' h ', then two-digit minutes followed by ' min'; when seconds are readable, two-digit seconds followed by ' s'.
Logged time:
2 h 04 min
